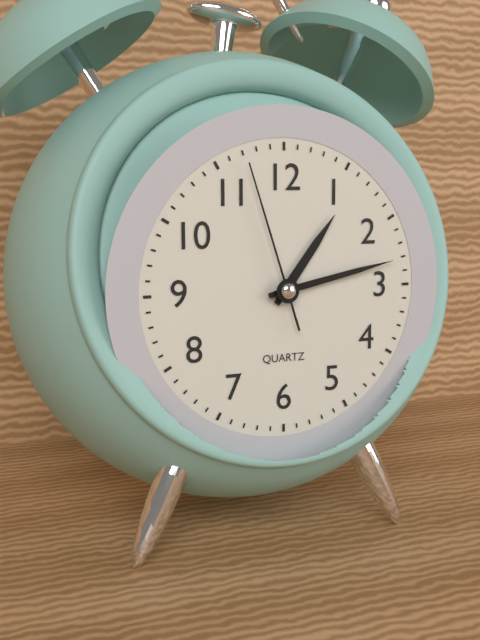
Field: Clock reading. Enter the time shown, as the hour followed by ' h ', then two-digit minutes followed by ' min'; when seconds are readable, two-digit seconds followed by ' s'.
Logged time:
1 h 13 min 57 s
